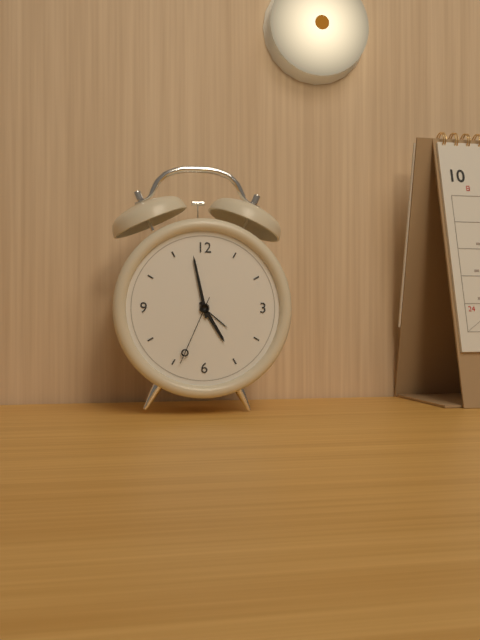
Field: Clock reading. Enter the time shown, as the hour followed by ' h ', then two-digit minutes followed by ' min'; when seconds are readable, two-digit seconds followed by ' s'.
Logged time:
4 h 58 min 34 s
